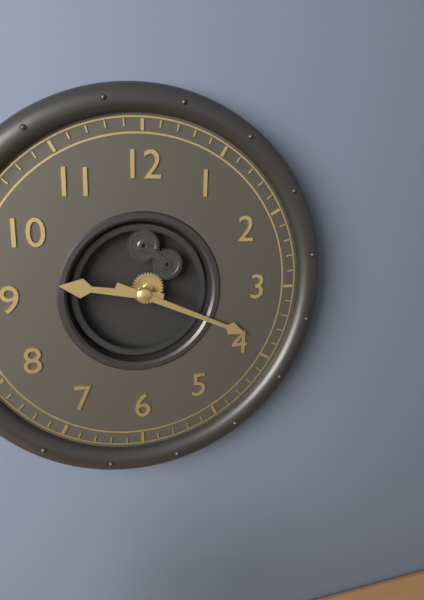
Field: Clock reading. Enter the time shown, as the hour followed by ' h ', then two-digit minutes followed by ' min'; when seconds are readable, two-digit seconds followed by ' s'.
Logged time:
9 h 19 min
